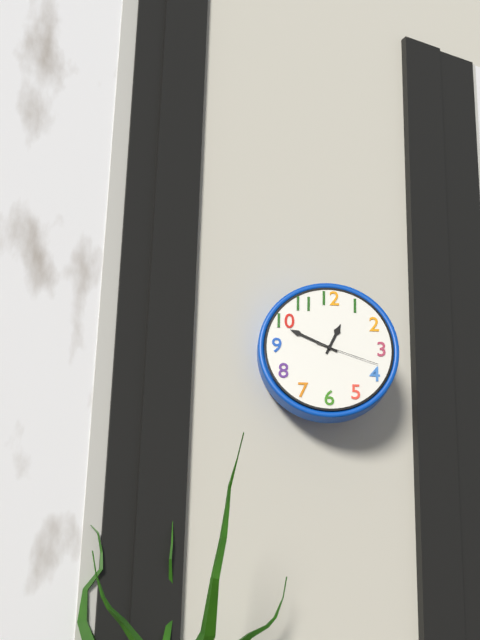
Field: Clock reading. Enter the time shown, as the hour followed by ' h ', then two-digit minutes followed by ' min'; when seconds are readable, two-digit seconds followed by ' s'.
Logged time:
12 h 49 min 18 s
